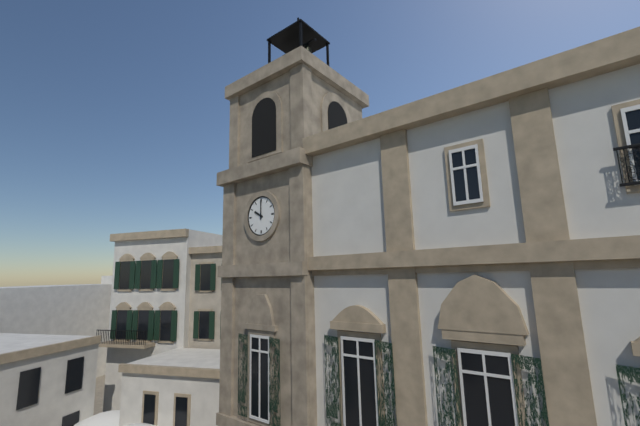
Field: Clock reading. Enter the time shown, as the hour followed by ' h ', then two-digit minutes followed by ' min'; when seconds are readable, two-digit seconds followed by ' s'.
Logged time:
10 h 00 min
